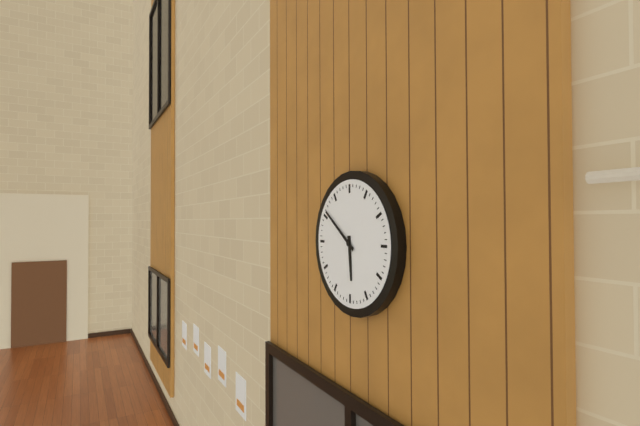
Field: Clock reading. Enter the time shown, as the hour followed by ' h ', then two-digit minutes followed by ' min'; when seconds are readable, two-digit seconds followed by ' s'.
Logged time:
5 h 51 min
